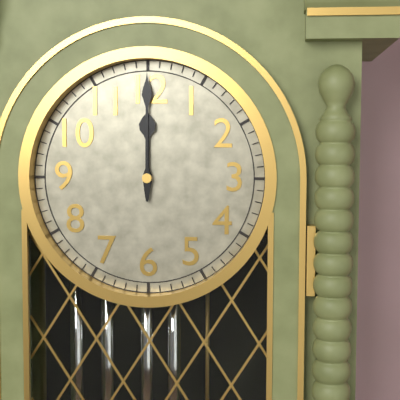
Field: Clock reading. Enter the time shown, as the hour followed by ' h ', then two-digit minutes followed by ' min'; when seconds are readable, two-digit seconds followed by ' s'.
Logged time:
12 h 00 min
